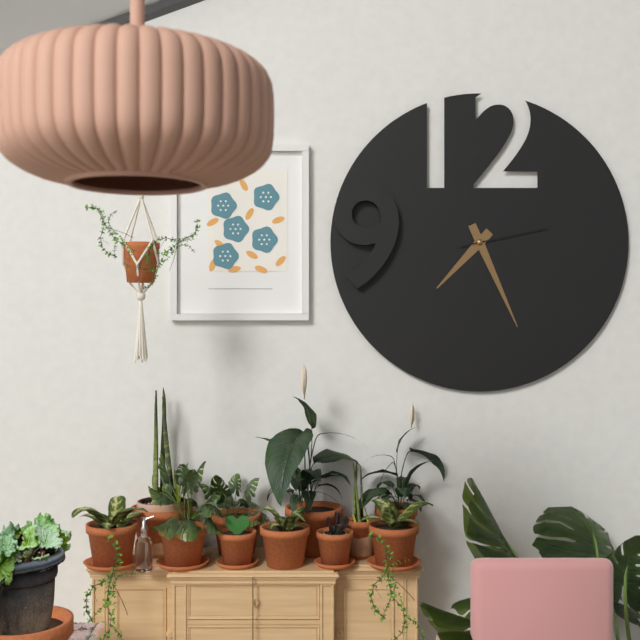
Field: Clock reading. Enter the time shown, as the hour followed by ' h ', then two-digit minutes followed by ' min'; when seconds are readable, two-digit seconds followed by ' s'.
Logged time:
7 h 26 min 13 s
